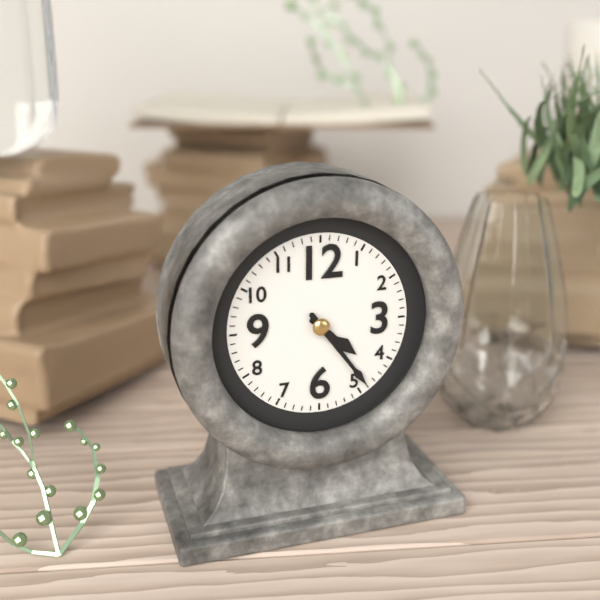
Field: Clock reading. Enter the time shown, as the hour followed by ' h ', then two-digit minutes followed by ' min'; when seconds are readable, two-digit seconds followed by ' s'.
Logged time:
4 h 24 min
